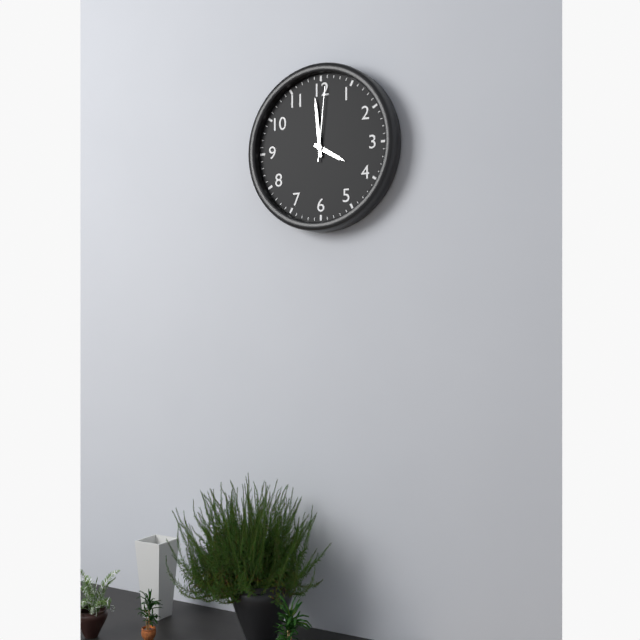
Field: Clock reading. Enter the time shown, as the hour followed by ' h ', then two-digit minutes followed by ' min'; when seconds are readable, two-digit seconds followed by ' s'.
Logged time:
3 h 59 min 01 s
